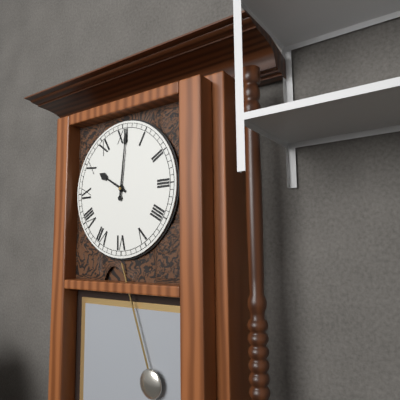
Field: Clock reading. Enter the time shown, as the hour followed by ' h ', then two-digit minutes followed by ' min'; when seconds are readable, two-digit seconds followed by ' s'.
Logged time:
10 h 01 min
